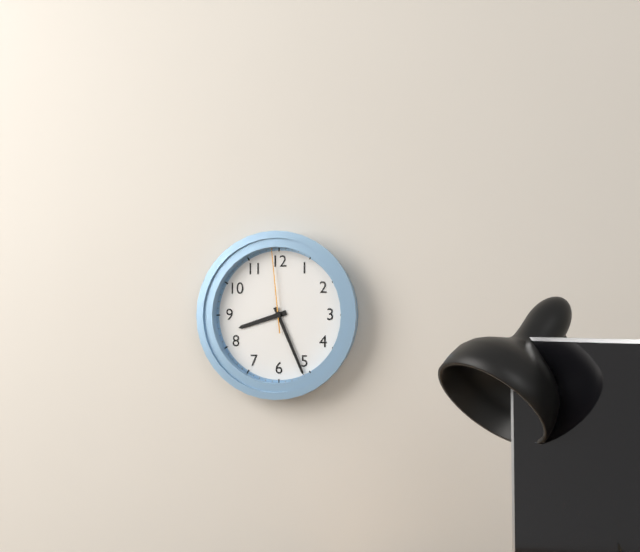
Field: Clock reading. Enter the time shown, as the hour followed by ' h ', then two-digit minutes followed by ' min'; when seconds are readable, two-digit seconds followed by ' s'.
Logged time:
8 h 26 min 59 s
